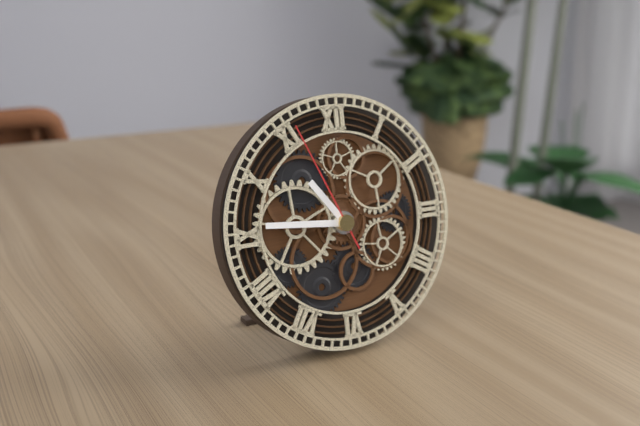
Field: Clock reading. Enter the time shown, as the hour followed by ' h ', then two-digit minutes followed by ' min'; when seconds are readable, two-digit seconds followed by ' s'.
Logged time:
10 h 46 min 56 s
